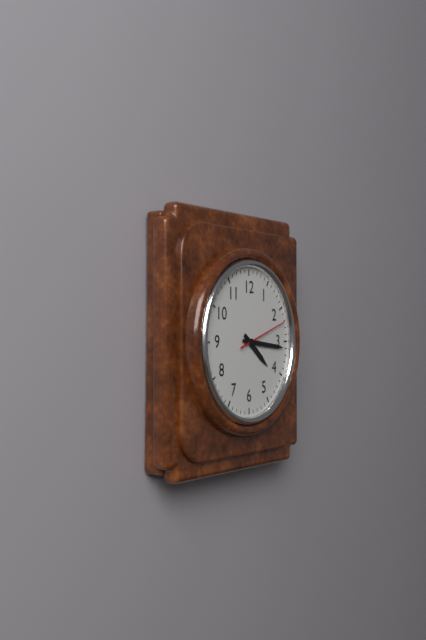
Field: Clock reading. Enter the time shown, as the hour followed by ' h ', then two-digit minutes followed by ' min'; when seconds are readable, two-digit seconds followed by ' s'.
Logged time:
4 h 16 min
